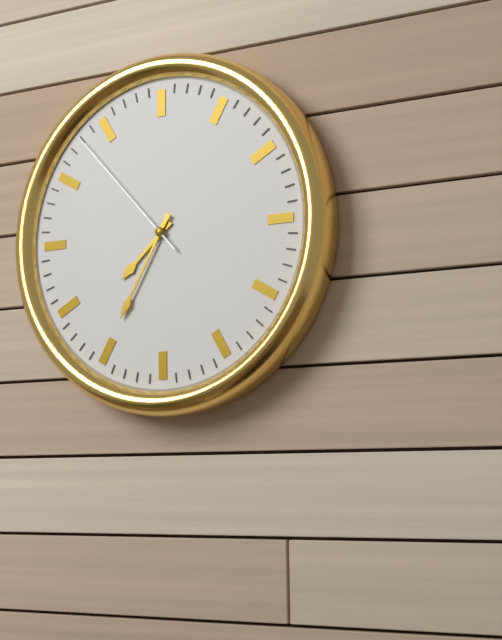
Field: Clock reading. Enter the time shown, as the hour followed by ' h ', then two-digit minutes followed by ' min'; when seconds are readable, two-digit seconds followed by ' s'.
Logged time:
7 h 35 min 53 s
